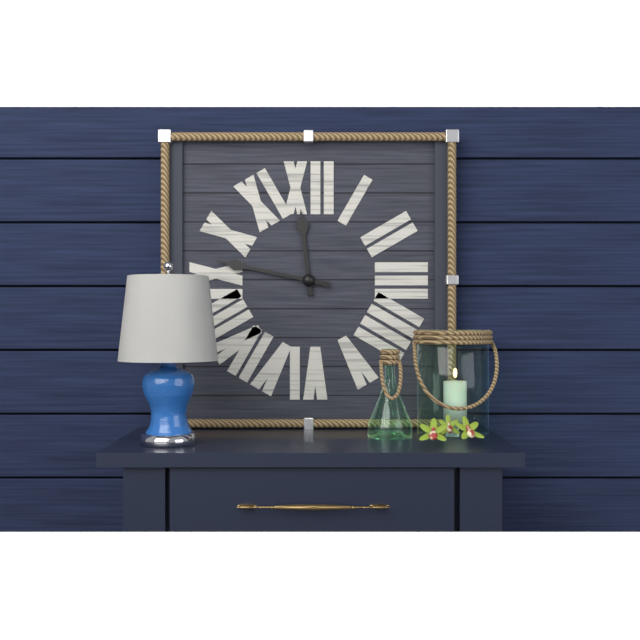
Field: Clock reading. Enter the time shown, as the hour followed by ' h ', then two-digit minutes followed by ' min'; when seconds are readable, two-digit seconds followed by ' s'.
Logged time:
11 h 47 min
